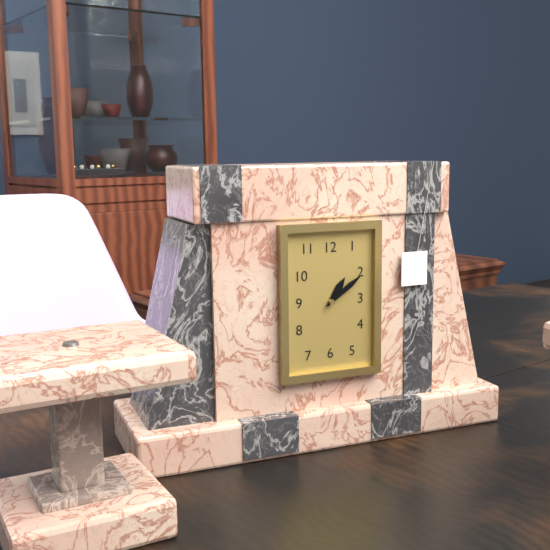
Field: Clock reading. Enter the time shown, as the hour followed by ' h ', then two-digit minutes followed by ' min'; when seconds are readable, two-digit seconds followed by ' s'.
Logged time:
1 h 09 min
